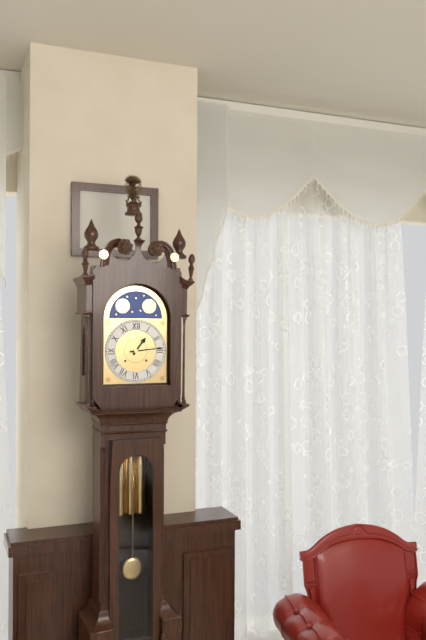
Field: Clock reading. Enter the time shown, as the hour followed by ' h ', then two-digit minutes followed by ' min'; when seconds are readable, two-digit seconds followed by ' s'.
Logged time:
1 h 14 min
